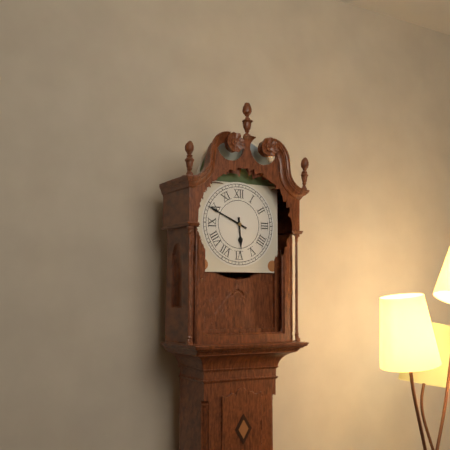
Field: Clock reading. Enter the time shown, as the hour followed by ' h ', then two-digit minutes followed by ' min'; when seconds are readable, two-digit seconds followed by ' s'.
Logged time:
5 h 49 min
